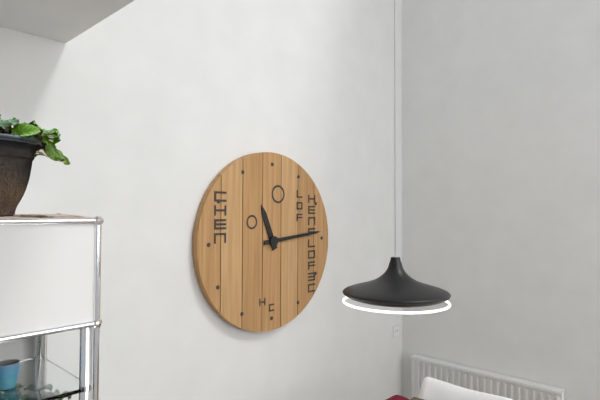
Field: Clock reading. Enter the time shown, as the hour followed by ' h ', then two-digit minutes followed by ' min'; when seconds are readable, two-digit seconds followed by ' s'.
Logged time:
11 h 14 min
